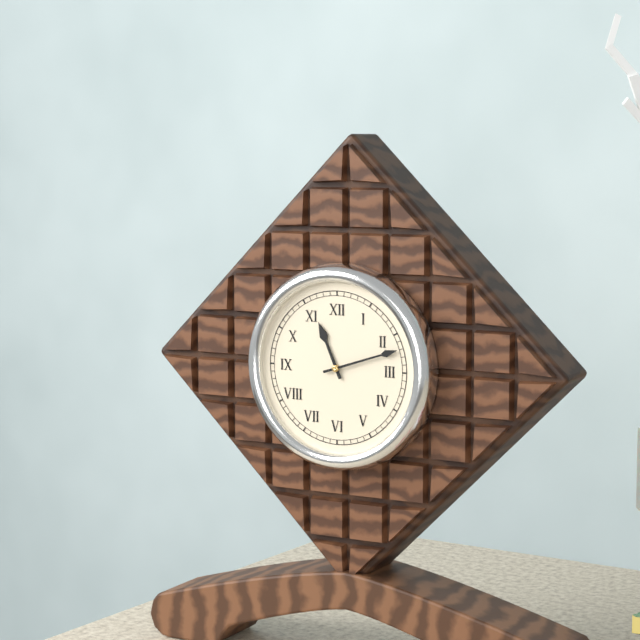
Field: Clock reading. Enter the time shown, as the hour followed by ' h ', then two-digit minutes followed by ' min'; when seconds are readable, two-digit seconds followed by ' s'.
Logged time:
11 h 12 min
